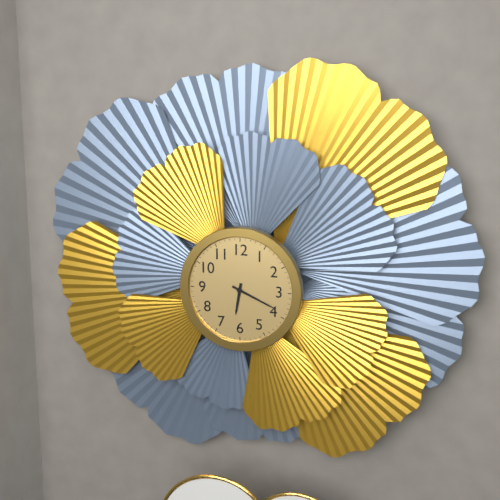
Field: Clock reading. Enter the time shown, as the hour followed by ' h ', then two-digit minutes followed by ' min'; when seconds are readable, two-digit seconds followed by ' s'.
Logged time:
6 h 19 min
